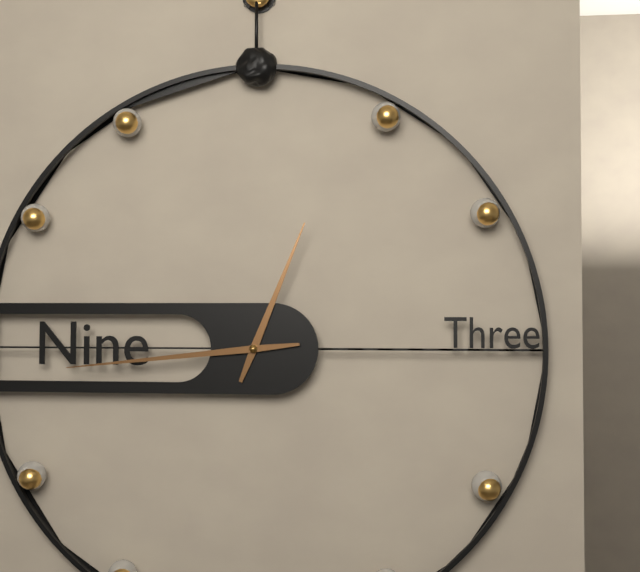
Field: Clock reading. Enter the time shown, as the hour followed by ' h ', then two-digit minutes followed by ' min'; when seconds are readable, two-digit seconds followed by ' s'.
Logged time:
12 h 44 min
